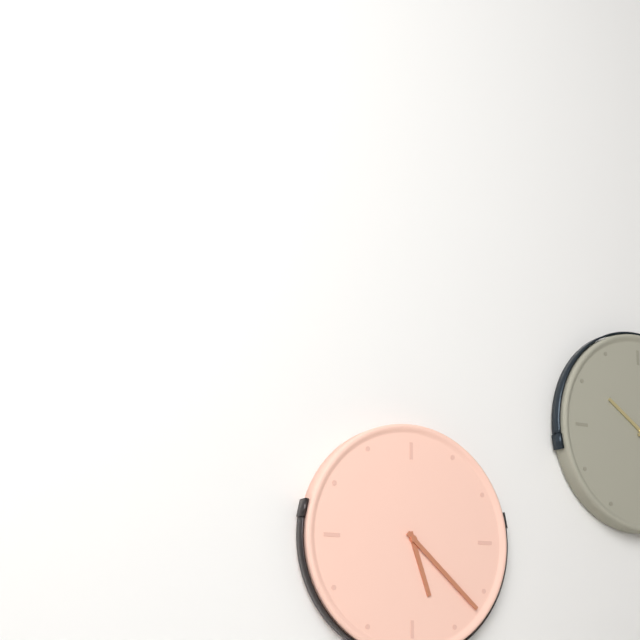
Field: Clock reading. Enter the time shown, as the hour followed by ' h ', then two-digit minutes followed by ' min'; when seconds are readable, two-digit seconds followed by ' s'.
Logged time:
5 h 22 min
